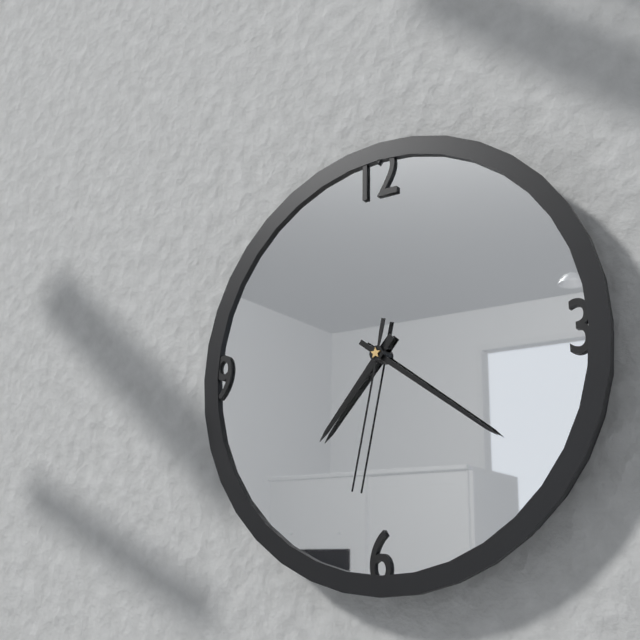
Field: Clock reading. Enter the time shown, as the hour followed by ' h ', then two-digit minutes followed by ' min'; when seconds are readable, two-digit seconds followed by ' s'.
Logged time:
7 h 21 min 32 s
